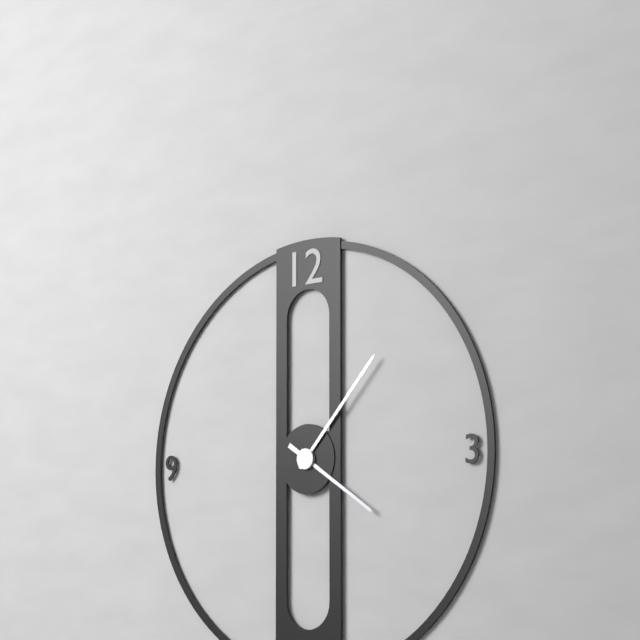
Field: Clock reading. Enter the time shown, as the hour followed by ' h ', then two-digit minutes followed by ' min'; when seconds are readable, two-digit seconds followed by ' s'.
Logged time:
4 h 07 min
